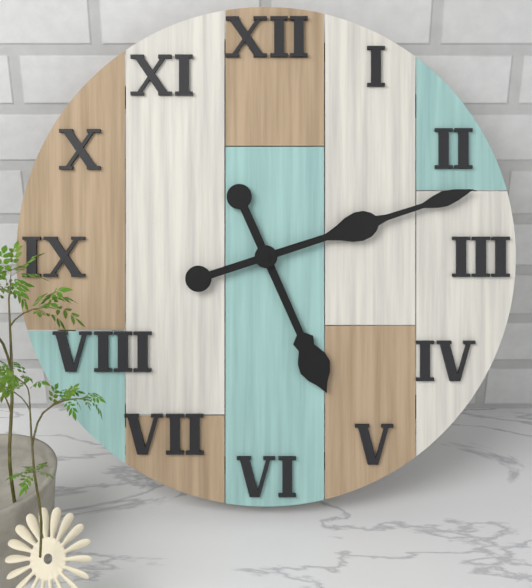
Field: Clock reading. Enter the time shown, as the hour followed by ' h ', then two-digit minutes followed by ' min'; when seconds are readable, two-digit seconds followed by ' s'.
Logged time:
5 h 12 min
